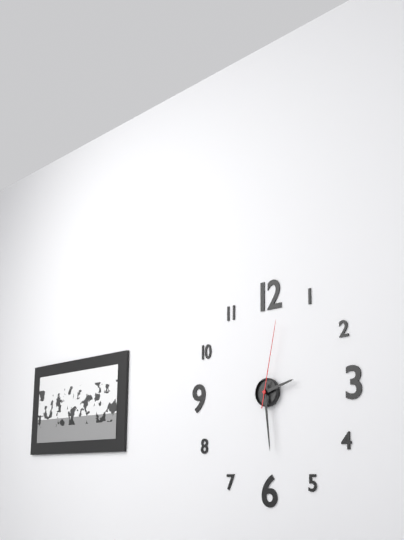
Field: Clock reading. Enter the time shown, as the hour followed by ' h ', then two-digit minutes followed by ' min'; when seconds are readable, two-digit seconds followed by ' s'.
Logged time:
2 h 29 min 02 s
